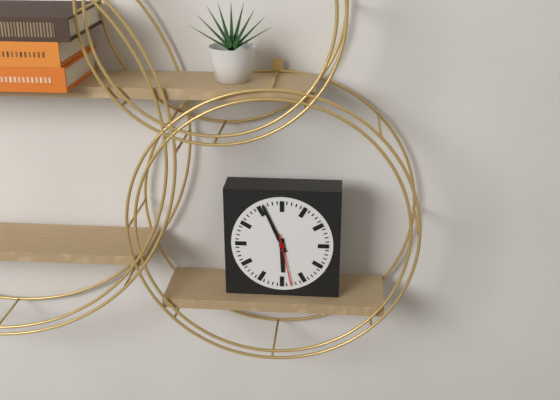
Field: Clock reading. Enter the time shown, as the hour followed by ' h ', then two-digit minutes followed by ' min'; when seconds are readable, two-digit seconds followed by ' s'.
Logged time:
5 h 56 min 28 s
